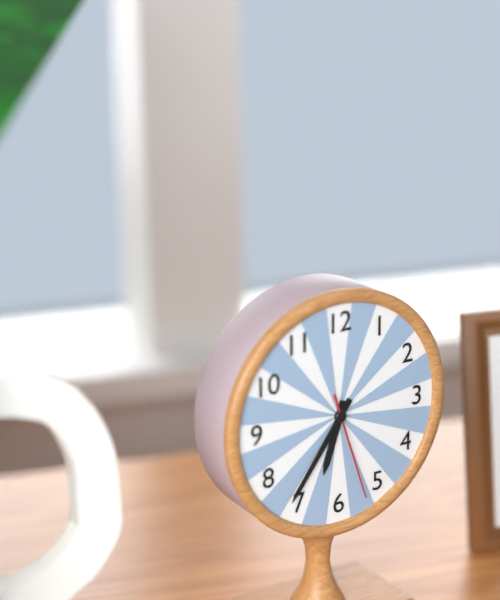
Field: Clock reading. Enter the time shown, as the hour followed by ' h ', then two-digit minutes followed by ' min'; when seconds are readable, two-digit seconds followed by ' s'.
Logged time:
6 h 36 min 27 s
